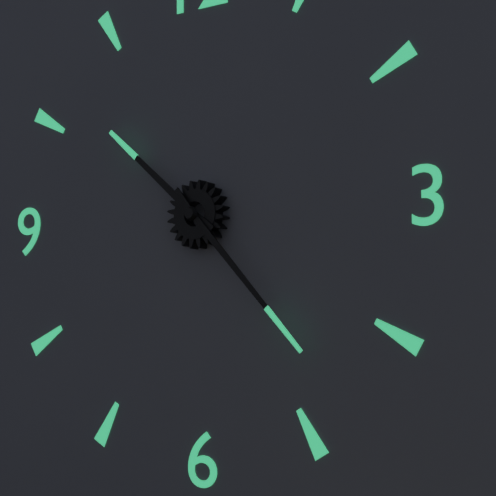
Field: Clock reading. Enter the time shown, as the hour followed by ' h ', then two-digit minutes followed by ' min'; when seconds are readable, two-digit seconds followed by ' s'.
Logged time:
10 h 23 min
